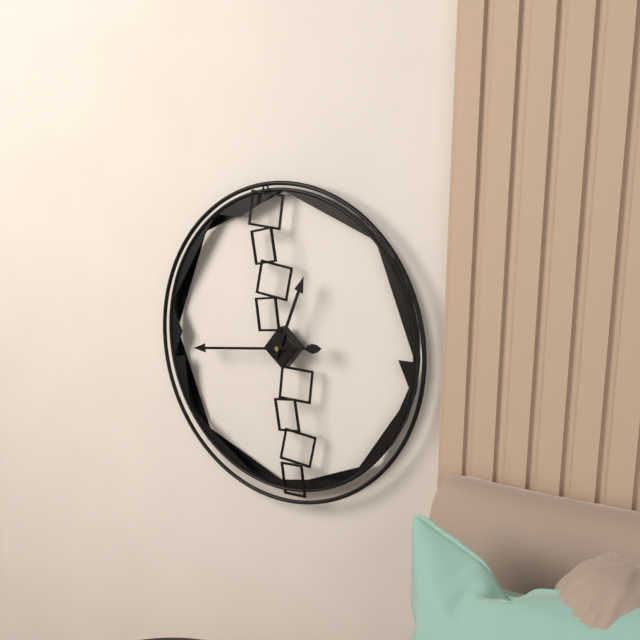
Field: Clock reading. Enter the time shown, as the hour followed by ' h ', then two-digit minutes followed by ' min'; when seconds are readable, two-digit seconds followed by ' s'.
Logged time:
12 h 44 min
